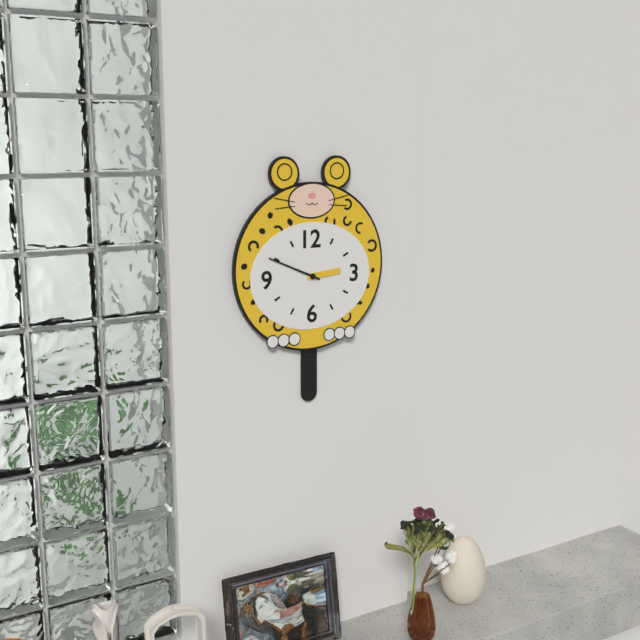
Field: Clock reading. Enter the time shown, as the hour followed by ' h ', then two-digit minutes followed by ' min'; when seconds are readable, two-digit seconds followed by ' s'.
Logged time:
2 h 49 min
